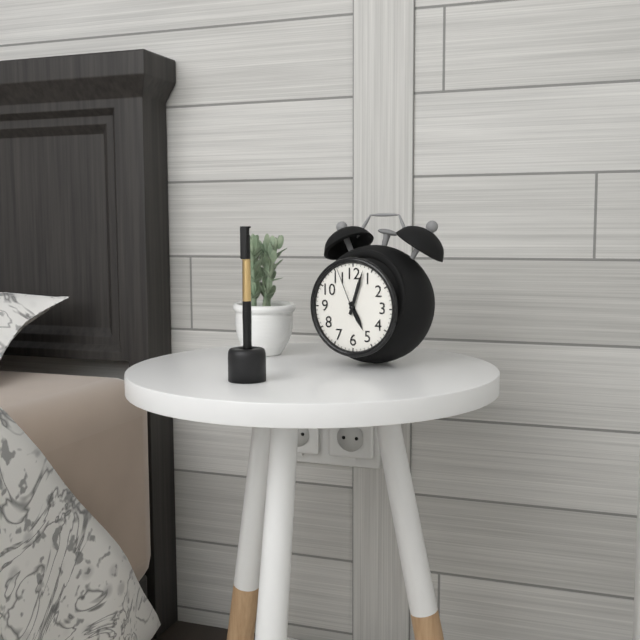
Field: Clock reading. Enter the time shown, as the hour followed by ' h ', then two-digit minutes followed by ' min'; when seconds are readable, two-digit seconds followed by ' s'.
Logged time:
5 h 03 min 56 s
